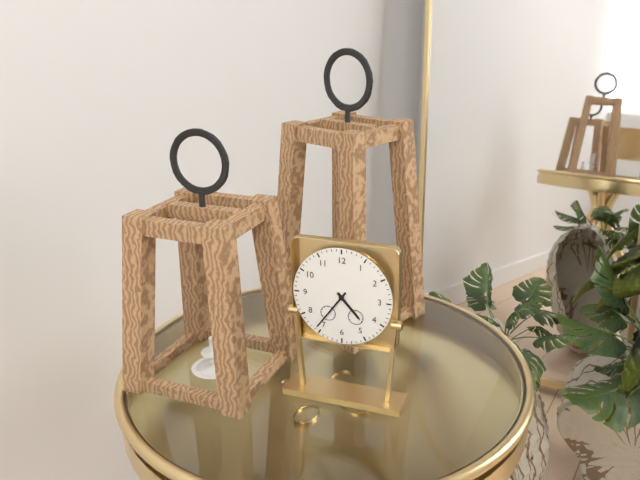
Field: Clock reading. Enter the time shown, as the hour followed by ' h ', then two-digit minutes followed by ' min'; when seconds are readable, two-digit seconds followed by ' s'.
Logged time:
4 h 36 min
